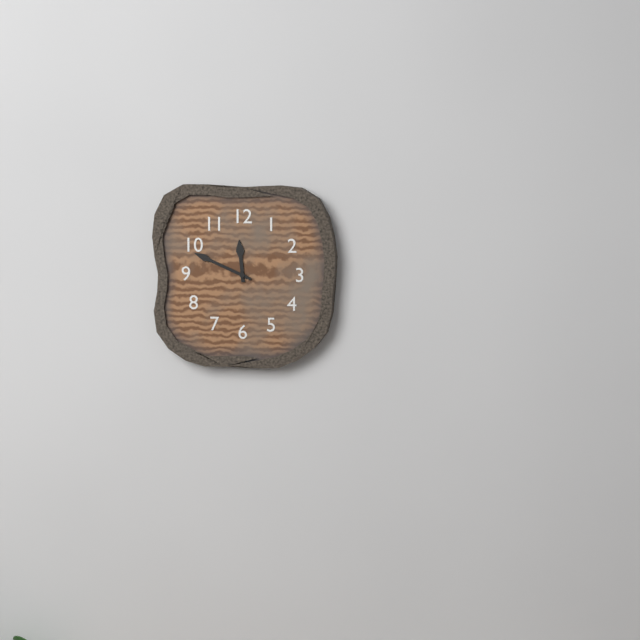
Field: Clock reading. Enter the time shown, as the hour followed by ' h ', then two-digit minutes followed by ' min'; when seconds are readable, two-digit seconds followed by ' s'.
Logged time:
11 h 49 min
